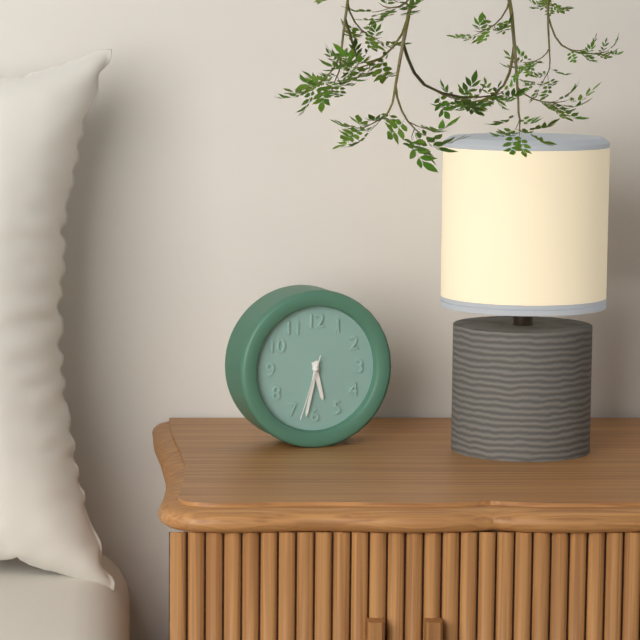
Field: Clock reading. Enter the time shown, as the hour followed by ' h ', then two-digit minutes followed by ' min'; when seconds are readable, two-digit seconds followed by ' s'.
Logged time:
5 h 32 min 33 s
